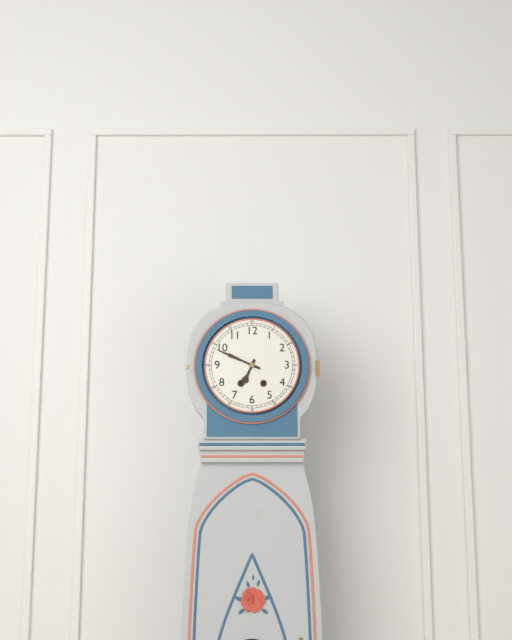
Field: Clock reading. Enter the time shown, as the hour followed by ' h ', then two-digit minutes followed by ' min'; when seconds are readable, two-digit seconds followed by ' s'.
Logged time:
6 h 49 min
